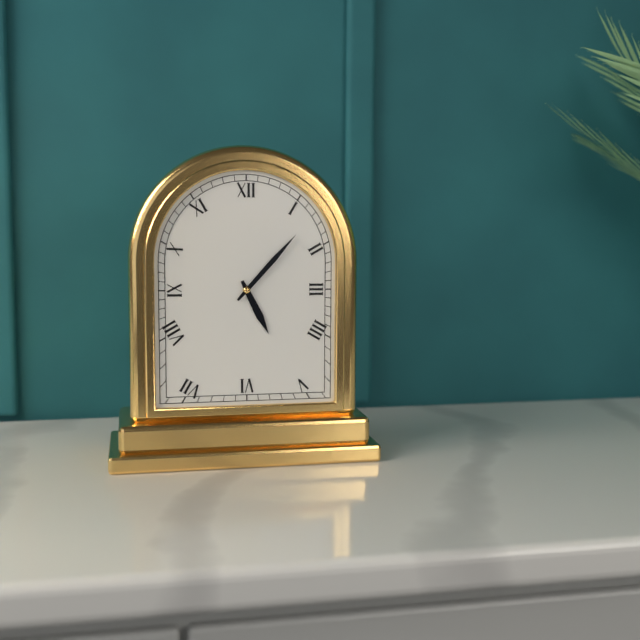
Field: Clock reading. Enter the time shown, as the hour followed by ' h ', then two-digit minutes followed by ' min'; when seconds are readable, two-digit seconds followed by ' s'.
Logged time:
5 h 07 min
